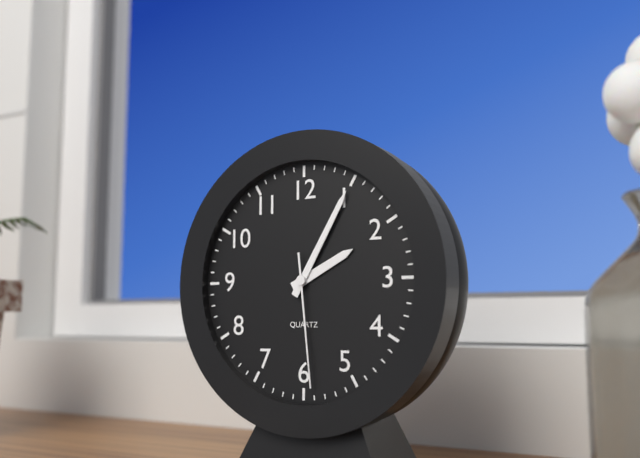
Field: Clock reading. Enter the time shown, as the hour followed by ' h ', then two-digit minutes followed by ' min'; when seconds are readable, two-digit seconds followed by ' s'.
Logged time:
2 h 05 min 29 s
